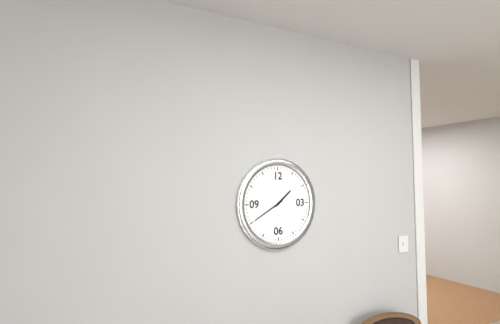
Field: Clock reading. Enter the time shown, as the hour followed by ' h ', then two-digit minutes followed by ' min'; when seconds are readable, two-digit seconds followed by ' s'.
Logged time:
1 h 40 min
